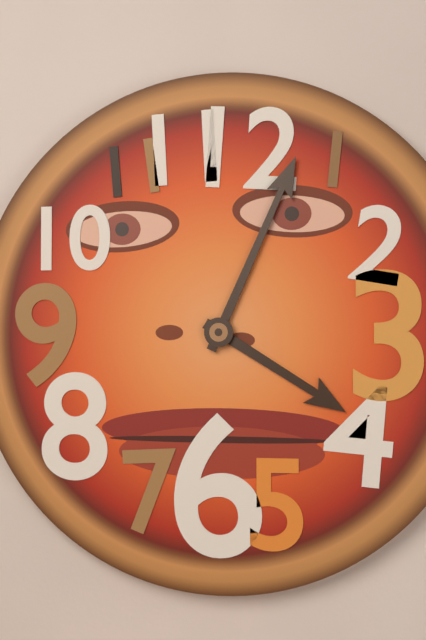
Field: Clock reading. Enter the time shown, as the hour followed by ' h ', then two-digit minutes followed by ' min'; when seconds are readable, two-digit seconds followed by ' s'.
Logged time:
4 h 04 min
